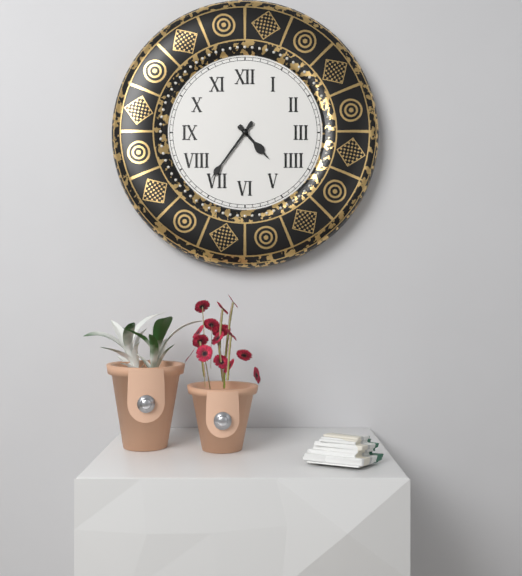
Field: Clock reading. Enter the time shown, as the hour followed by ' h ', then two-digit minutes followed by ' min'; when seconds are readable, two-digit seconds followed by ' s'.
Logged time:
4 h 36 min
